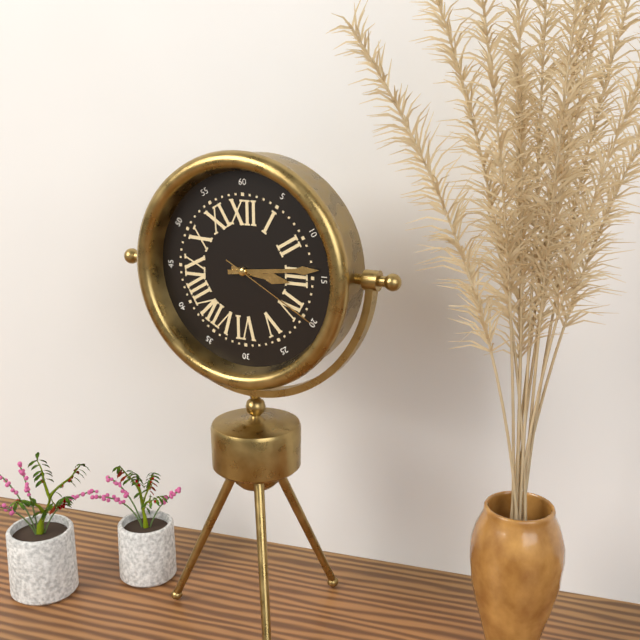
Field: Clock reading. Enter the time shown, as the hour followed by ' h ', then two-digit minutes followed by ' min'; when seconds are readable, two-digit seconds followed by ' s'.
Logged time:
3 h 14 min 20 s
